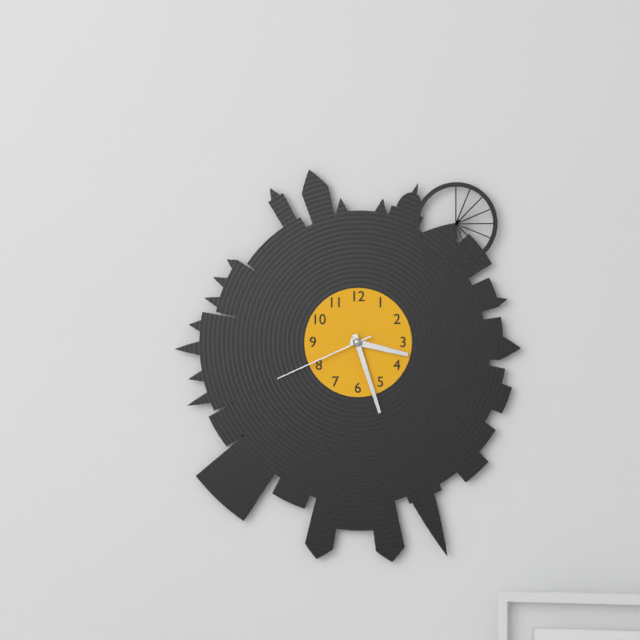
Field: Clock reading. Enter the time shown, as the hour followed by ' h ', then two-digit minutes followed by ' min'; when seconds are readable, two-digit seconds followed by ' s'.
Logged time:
3 h 27 min 41 s
